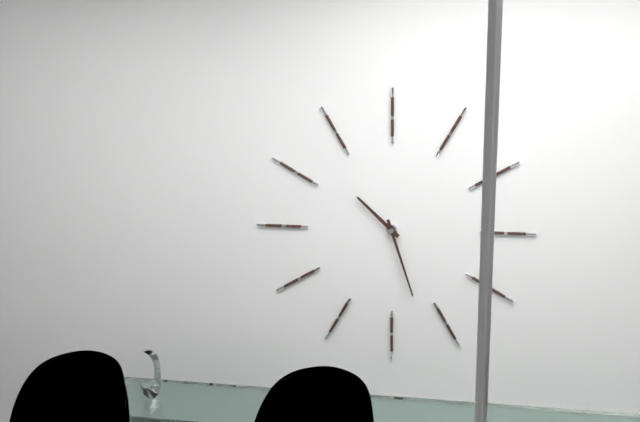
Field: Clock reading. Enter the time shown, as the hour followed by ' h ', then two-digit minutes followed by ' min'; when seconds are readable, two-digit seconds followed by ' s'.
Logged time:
10 h 27 min
